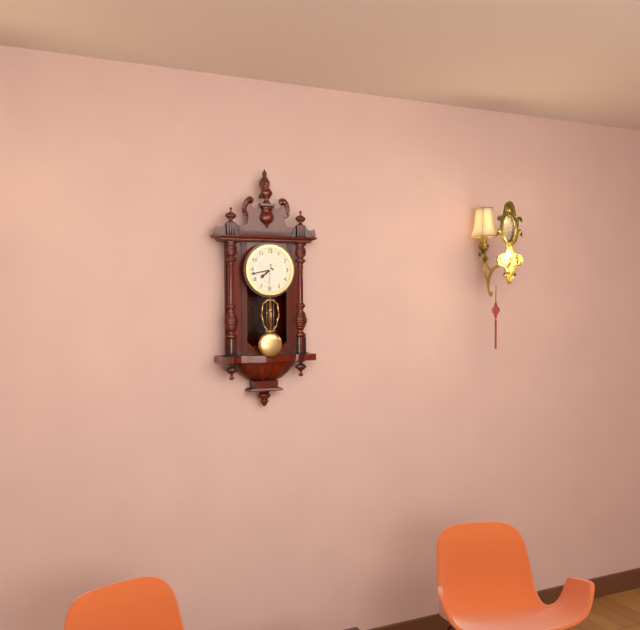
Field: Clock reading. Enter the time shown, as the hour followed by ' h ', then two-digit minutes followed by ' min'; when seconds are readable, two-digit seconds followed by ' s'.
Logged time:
7 h 43 min
